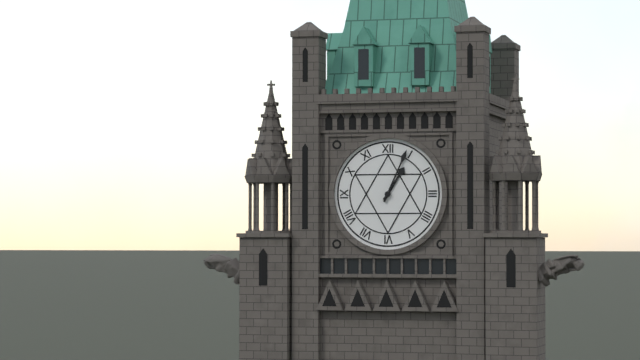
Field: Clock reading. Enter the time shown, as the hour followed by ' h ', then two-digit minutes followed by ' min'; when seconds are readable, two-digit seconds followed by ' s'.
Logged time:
1 h 04 min
